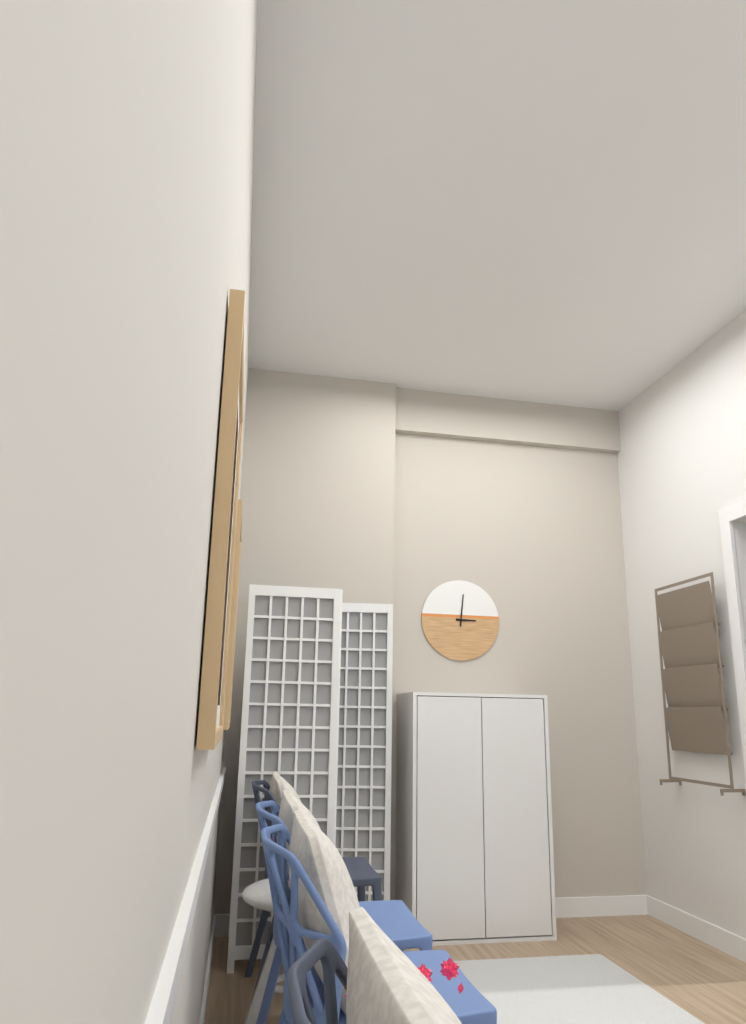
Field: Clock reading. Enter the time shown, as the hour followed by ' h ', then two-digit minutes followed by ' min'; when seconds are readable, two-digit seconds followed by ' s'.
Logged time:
3 h 01 min
